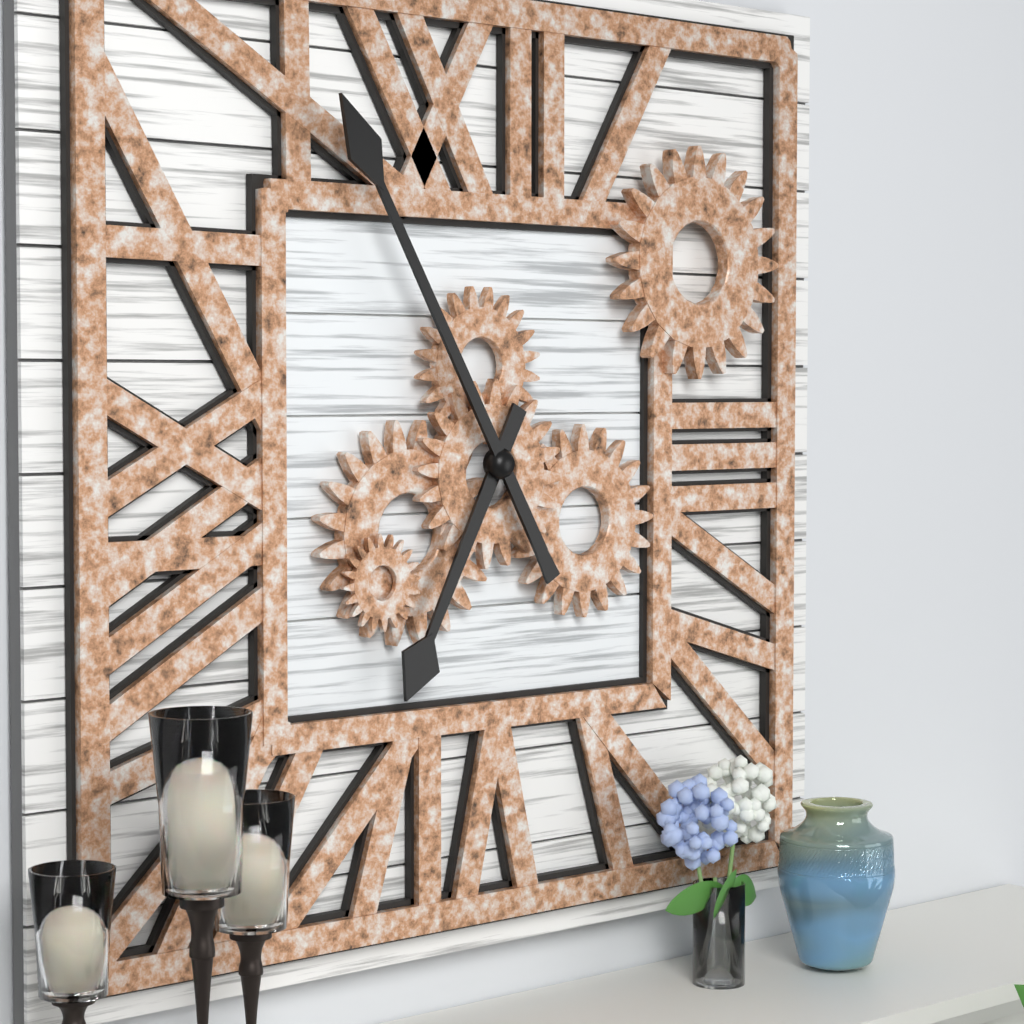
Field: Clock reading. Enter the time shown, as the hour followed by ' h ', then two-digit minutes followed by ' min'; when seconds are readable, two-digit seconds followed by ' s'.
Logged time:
6 h 55 min
